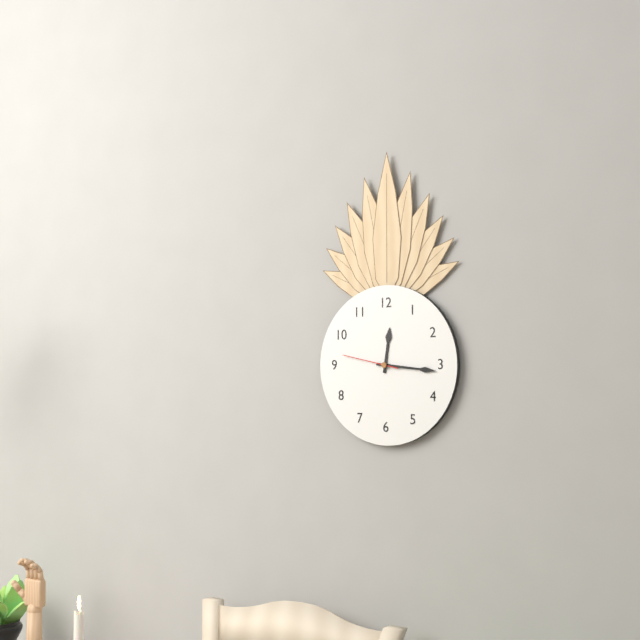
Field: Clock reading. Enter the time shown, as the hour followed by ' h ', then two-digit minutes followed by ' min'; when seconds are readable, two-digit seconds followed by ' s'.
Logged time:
12 h 16 min 47 s
